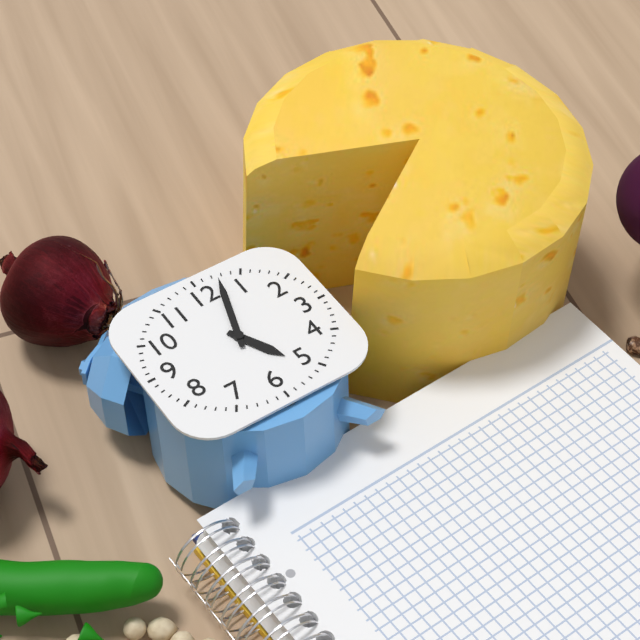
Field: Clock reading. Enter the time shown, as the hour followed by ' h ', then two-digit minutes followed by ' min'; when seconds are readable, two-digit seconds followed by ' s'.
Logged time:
5 h 03 min
